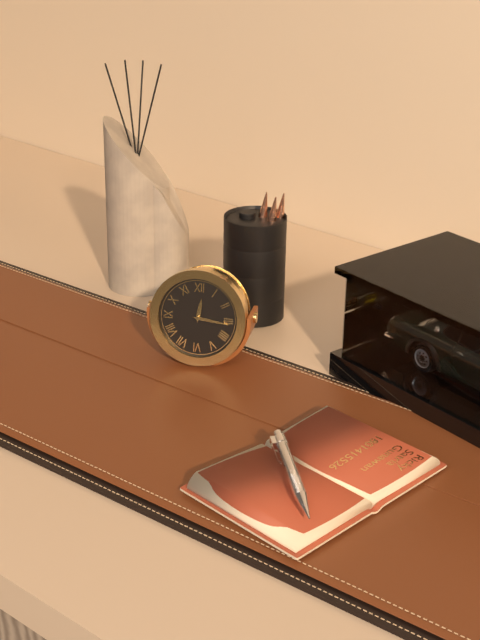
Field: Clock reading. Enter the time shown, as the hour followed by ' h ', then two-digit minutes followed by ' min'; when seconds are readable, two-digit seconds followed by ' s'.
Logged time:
12 h 16 min
